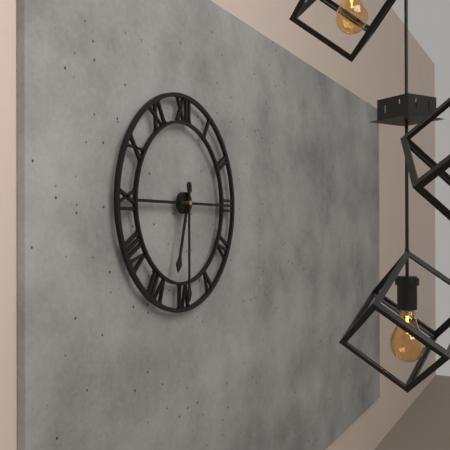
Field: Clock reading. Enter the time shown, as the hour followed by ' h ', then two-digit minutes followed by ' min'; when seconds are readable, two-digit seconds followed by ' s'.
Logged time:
6 h 30 min
